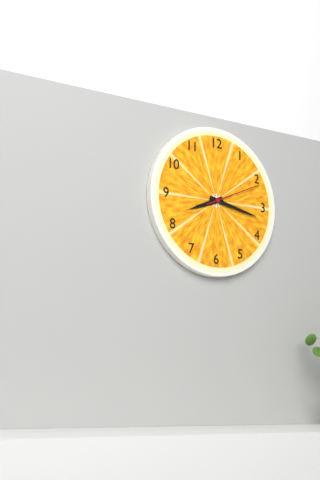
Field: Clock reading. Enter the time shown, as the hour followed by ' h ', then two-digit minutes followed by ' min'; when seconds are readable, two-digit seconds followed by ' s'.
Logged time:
8 h 17 min 11 s
